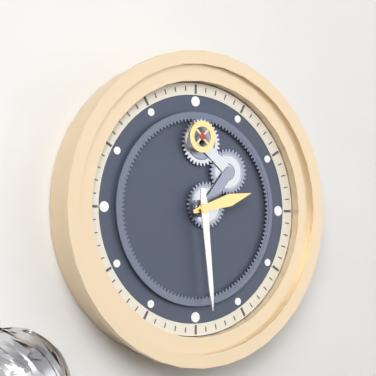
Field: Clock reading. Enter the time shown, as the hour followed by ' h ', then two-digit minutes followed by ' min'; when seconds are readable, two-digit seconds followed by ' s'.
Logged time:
2 h 29 min
